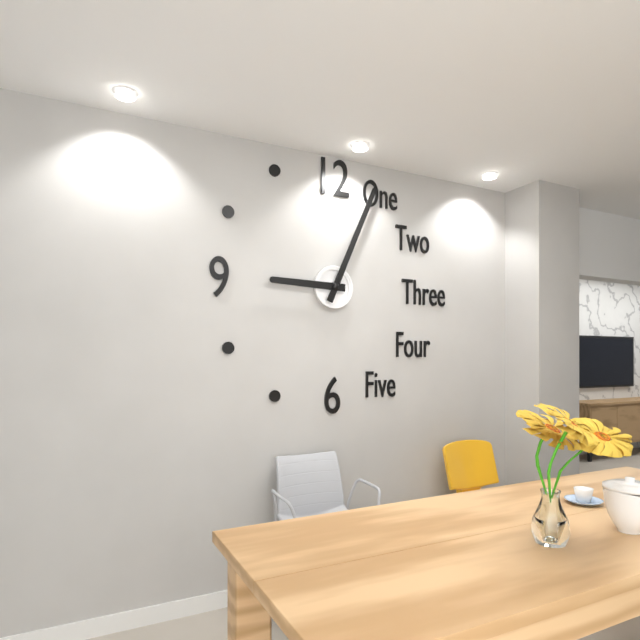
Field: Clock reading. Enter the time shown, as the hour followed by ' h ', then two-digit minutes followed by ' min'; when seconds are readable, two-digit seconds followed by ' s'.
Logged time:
9 h 04 min
